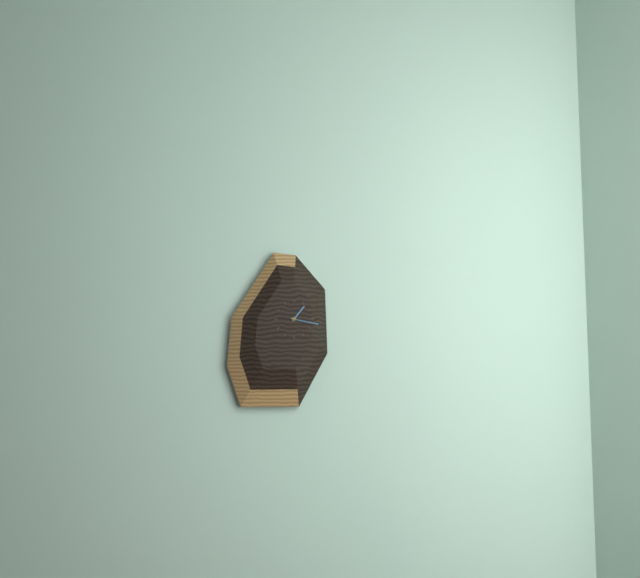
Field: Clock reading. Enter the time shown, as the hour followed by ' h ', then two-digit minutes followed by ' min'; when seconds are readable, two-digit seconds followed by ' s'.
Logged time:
1 h 17 min
